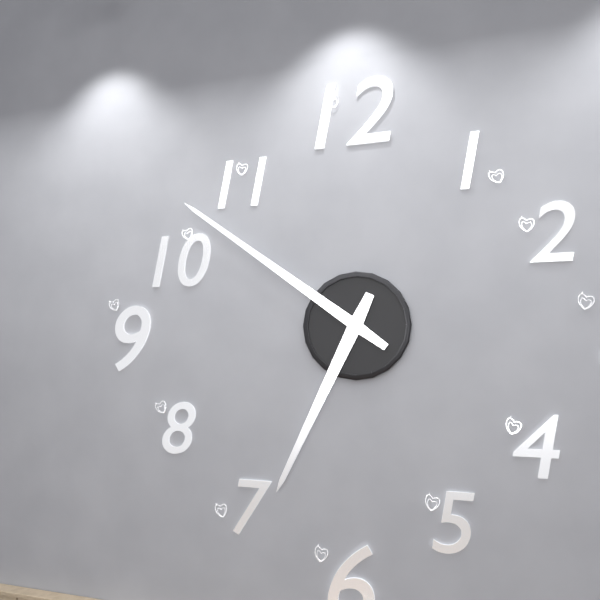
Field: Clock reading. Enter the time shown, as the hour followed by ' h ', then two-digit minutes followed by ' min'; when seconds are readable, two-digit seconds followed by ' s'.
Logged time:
6 h 51 min
